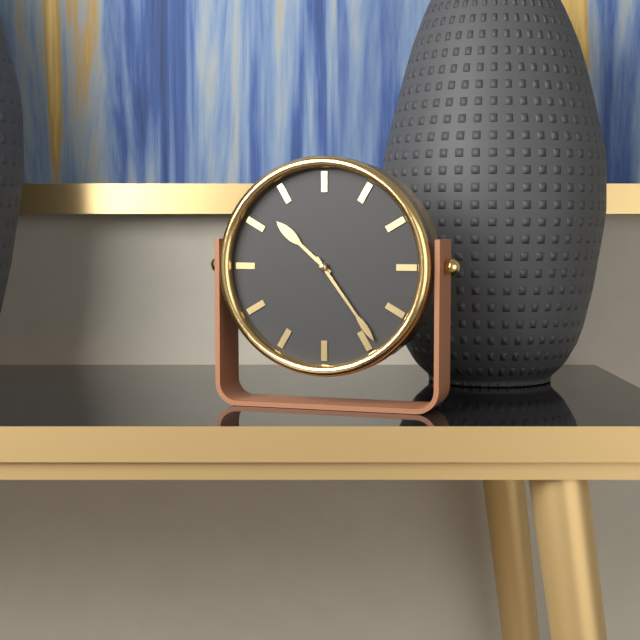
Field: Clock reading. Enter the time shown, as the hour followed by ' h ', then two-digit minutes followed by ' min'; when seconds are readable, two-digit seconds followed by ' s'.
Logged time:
10 h 24 min
